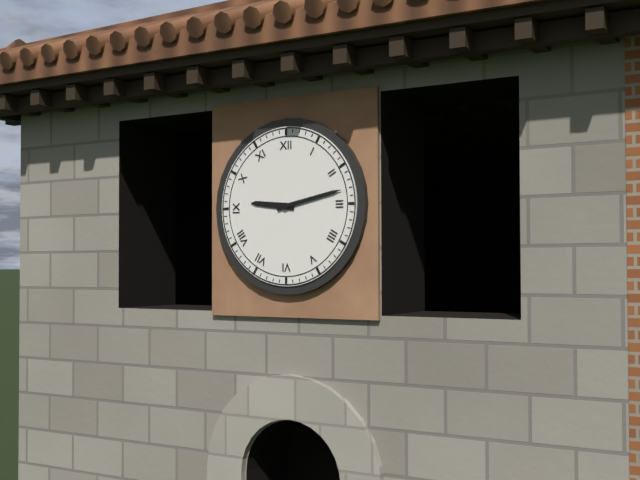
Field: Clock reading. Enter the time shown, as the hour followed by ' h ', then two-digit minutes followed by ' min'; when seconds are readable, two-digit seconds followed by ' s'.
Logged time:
9 h 13 min
